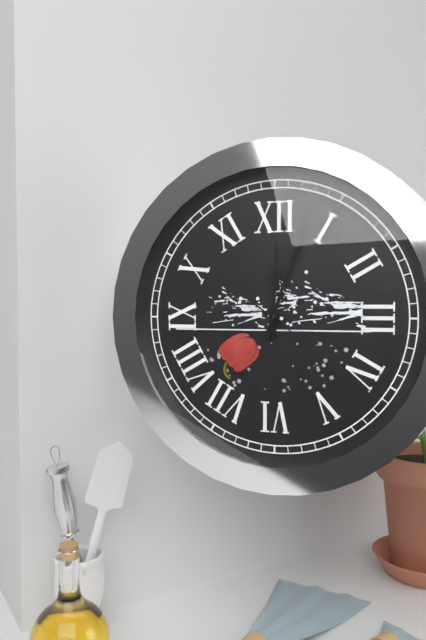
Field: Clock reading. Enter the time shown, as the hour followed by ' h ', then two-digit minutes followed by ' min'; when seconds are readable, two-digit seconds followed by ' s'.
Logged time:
12 h 03 min 21 s
